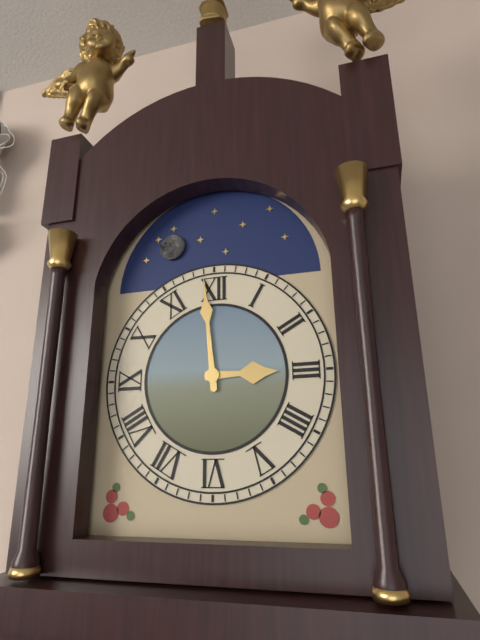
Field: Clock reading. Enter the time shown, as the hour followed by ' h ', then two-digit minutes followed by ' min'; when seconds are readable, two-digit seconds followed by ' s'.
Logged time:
2 h 59 min
